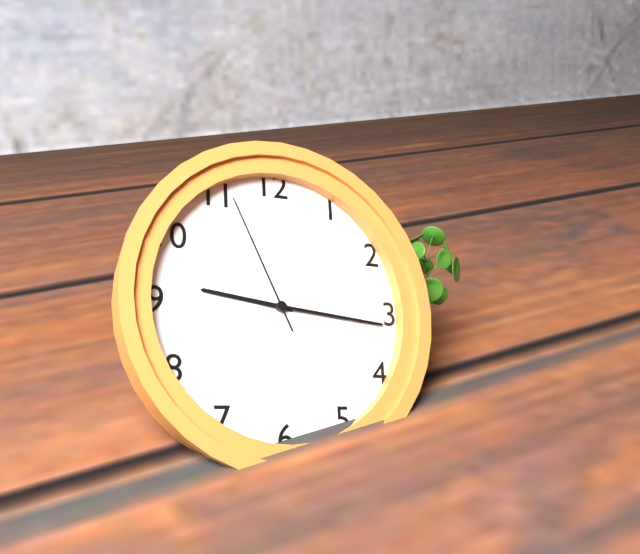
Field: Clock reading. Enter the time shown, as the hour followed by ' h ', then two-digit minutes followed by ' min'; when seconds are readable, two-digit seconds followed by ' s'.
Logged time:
9 h 16 min 56 s
